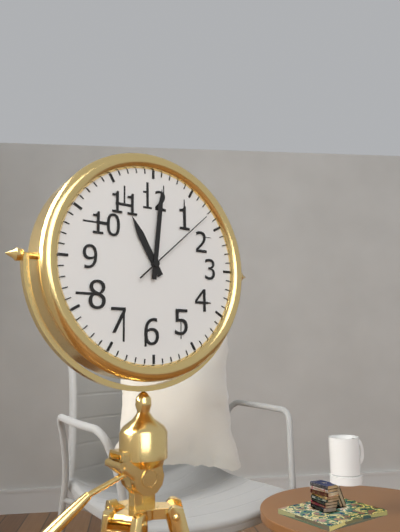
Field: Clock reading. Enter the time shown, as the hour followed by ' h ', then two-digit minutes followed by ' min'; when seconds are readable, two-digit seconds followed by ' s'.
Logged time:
11 h 01 min 08 s
